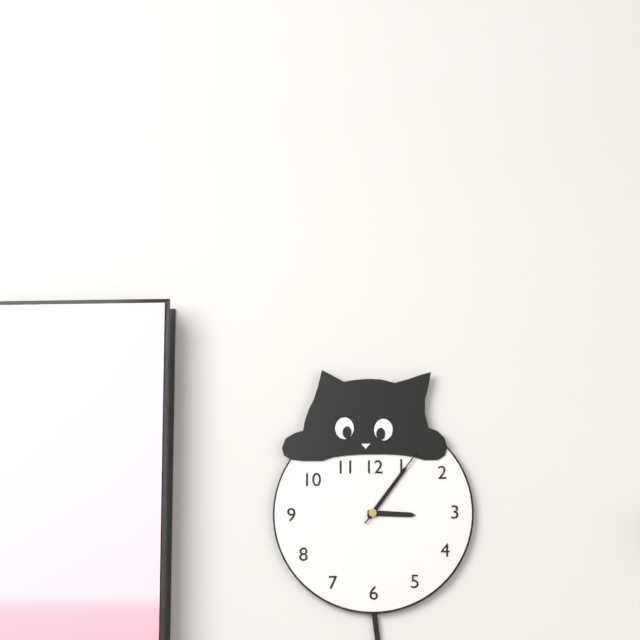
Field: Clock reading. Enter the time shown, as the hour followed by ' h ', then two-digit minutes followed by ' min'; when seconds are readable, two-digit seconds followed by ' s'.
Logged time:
3 h 06 min 06 s
